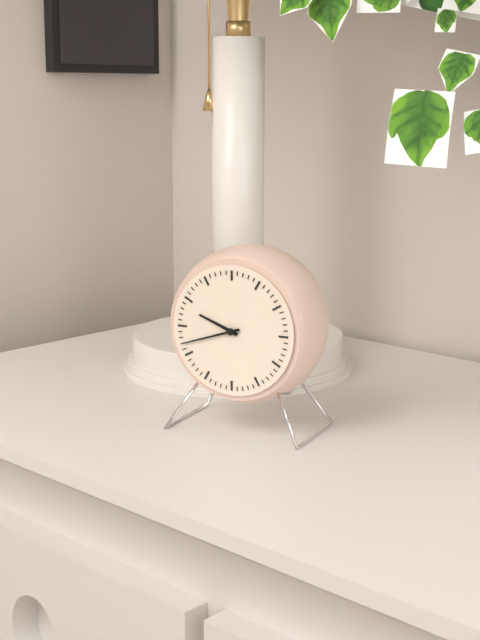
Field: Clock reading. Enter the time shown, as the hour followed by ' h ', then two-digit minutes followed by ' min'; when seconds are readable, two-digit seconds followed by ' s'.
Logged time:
9 h 42 min
